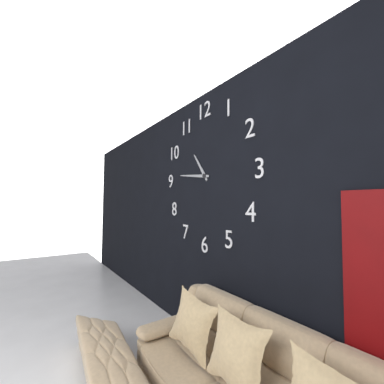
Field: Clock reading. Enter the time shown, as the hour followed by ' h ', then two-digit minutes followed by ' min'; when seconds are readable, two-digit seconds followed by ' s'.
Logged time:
10 h 46 min
